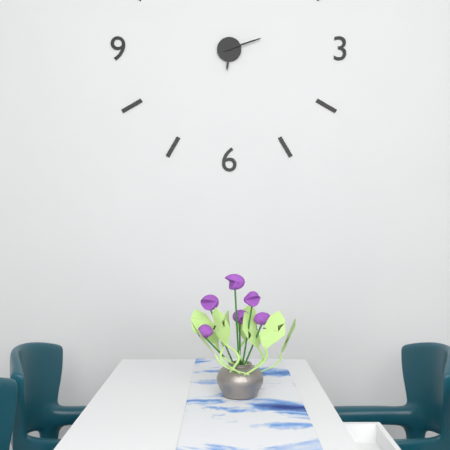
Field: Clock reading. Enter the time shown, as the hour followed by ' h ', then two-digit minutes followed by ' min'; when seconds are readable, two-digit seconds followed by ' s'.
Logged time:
6 h 12 min
